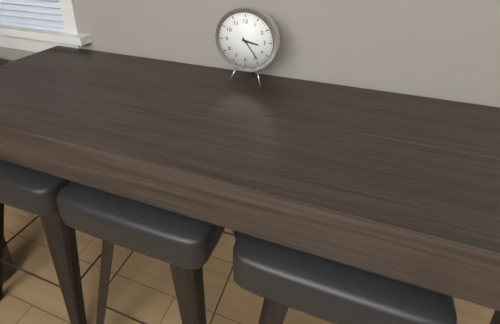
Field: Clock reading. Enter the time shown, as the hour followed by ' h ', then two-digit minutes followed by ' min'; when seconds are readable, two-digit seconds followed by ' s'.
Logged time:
3 h 24 min
